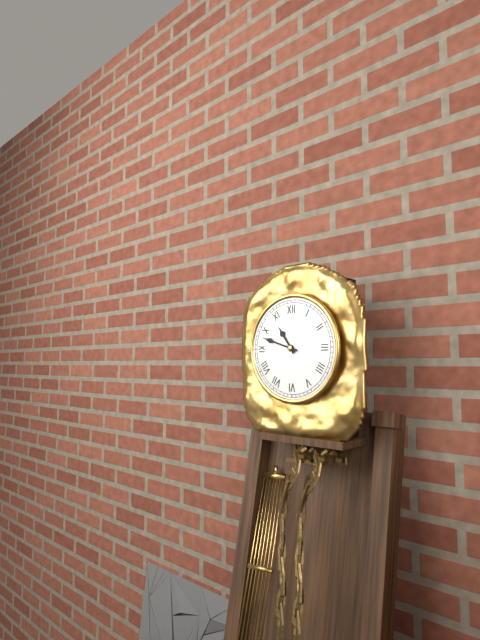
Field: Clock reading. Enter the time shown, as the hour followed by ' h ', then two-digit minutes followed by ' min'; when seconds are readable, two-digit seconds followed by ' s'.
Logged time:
10 h 48 min
